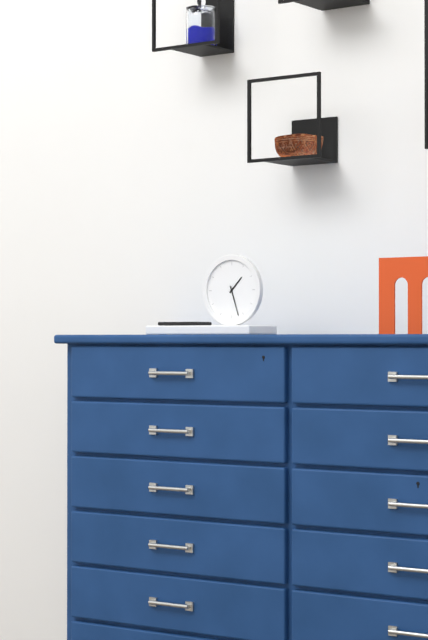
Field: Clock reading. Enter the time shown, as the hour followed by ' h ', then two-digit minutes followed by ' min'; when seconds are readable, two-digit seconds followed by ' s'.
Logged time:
1 h 27 min
